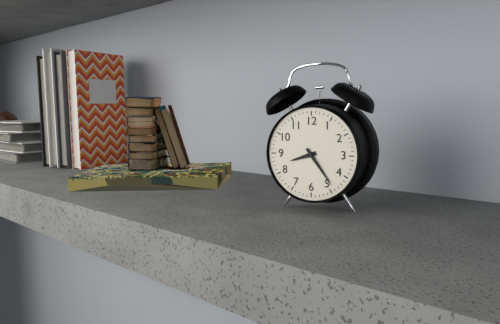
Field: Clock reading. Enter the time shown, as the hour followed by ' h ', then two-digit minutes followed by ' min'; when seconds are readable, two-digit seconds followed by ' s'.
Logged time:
8 h 24 min
